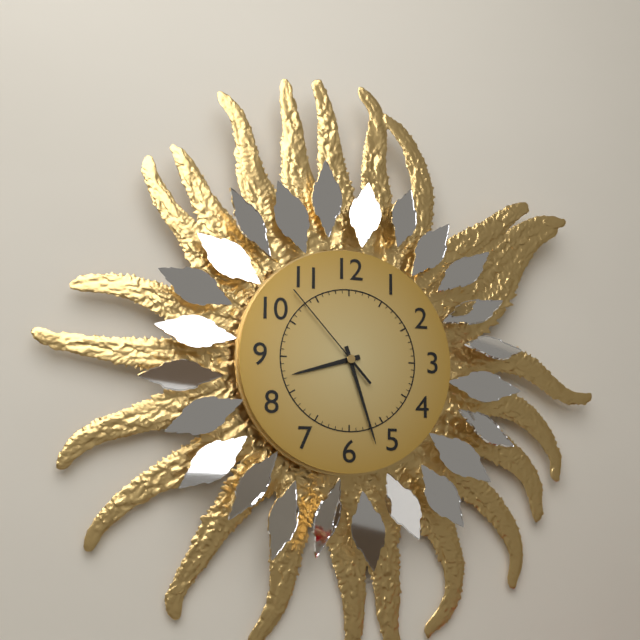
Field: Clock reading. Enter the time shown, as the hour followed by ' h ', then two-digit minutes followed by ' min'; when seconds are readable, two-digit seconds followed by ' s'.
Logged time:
8 h 27 min 53 s
